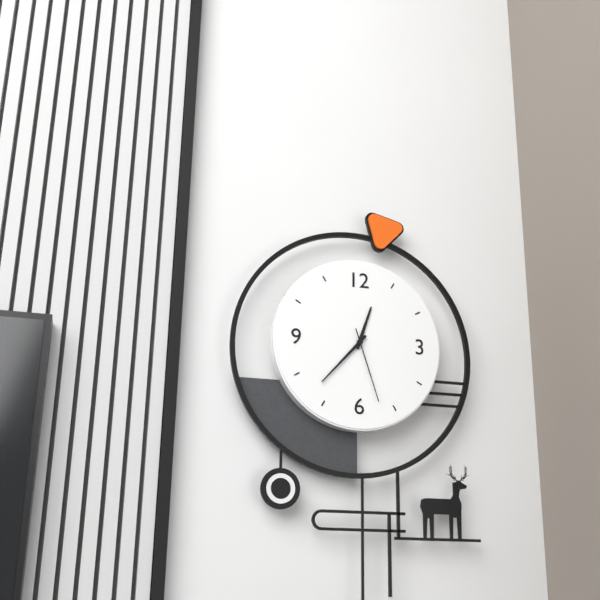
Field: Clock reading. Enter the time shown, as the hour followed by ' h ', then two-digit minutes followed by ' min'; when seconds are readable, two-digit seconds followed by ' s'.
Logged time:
12 h 37 min 27 s
